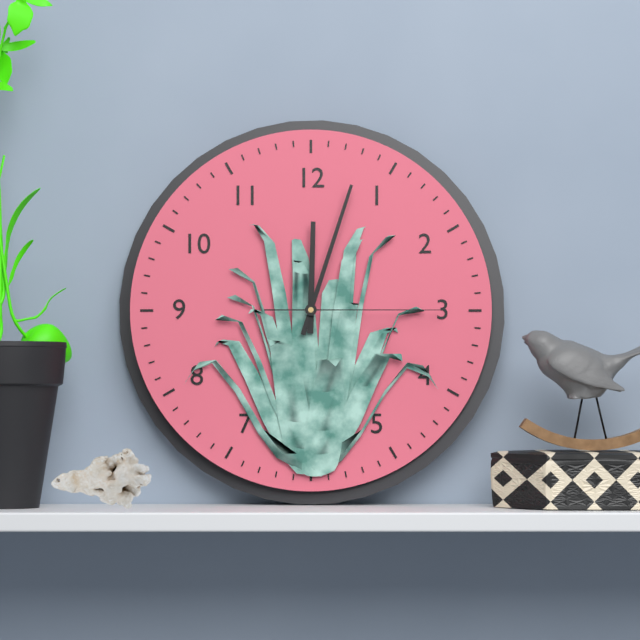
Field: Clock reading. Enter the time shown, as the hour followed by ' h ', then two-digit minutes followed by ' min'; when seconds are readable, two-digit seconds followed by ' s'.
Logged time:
12 h 03 min 15 s
